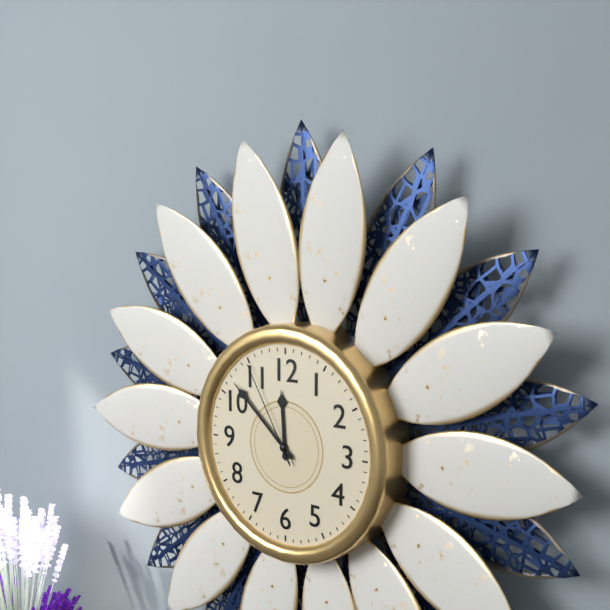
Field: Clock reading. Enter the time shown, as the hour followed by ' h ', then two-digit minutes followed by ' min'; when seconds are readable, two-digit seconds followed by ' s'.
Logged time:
11 h 52 min 55 s
